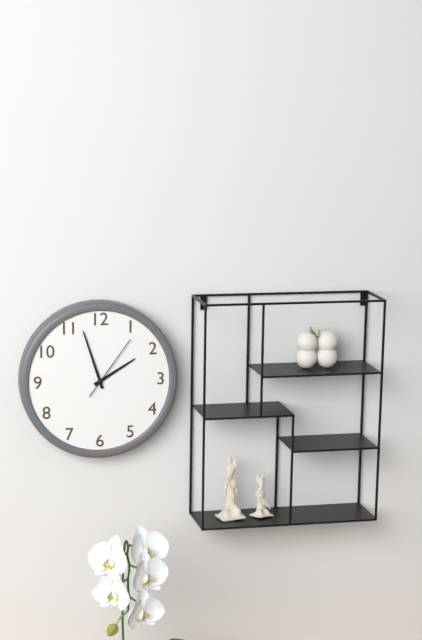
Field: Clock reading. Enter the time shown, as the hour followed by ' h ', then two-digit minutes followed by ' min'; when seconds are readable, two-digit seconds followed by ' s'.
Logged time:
1 h 57 min 06 s
